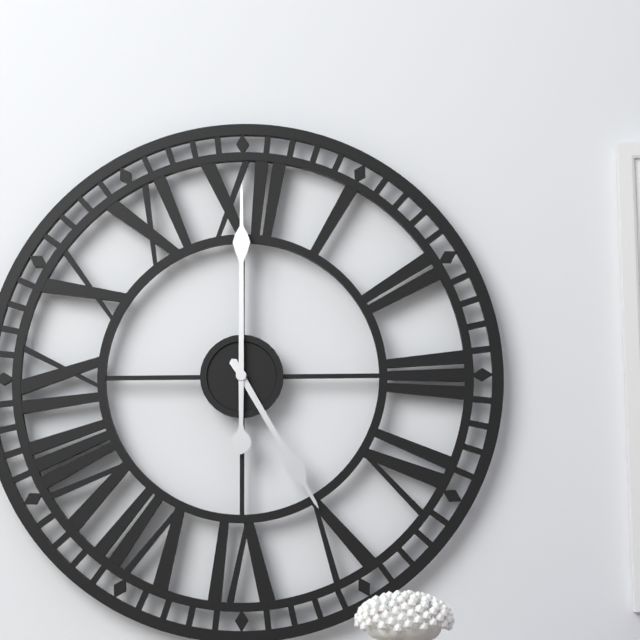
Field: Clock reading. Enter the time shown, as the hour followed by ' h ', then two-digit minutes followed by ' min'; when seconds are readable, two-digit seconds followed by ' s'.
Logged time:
5 h 00 min
